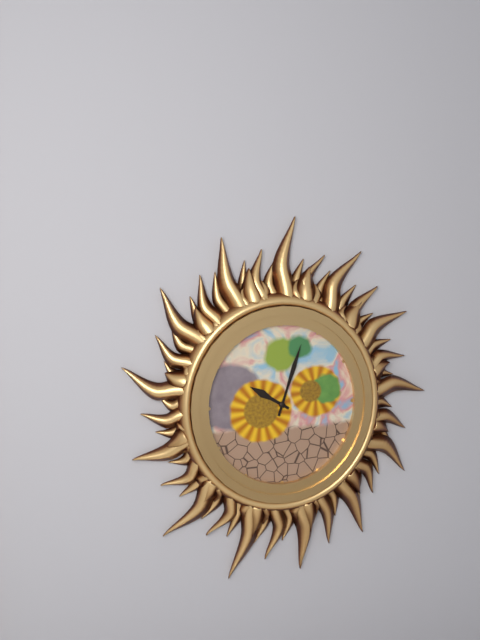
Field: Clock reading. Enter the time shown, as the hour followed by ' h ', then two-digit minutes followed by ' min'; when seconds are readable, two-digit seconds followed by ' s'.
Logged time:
10 h 03 min
